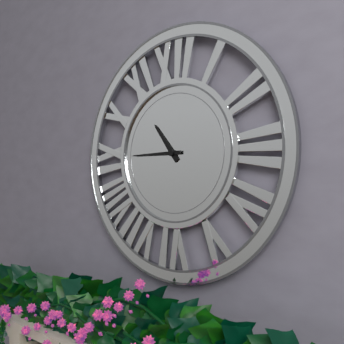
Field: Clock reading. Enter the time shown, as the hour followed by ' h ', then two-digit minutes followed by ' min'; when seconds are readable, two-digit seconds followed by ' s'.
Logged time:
10 h 45 min
